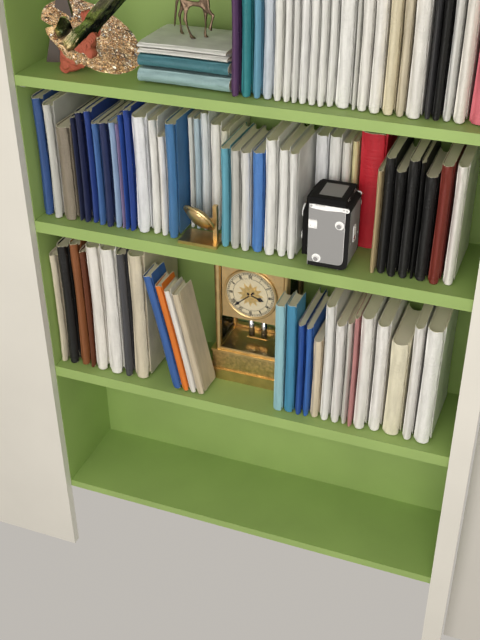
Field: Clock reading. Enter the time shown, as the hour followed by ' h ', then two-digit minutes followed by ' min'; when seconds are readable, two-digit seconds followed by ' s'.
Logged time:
3 h 38 min
